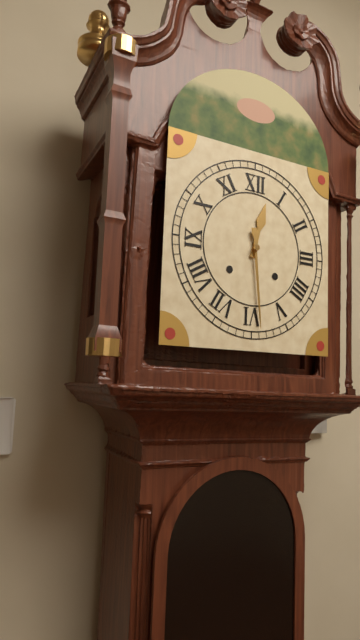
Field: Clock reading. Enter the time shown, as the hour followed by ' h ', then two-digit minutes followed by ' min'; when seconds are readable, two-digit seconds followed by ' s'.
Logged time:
12 h 29 min
